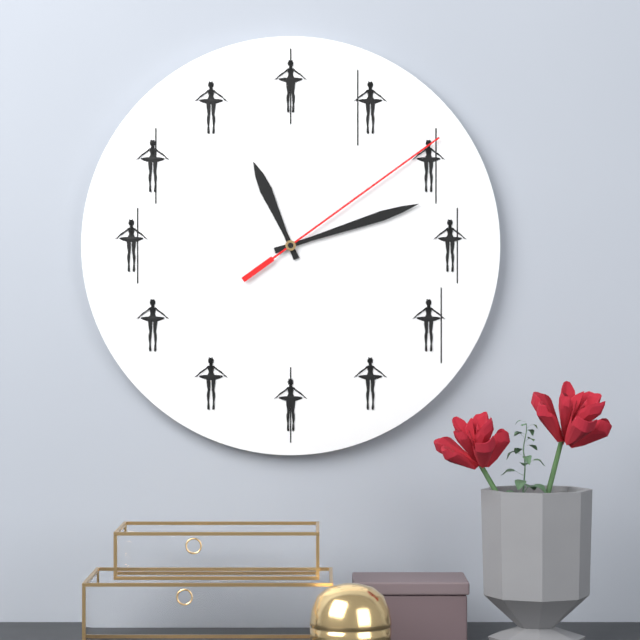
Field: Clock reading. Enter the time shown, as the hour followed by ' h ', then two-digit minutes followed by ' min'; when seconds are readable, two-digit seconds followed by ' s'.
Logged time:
11 h 12 min 09 s
